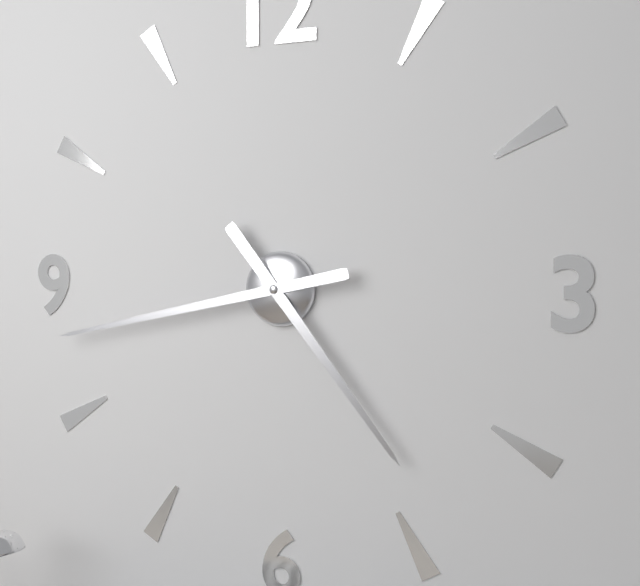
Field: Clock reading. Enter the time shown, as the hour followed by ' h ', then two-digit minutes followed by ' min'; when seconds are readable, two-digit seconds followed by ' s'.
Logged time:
4 h 43 min
